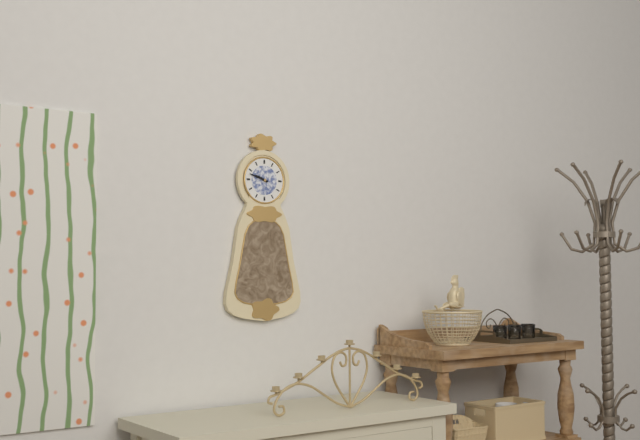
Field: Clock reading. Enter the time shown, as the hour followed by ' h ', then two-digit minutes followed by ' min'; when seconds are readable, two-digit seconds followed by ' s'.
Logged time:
9 h 48 min
